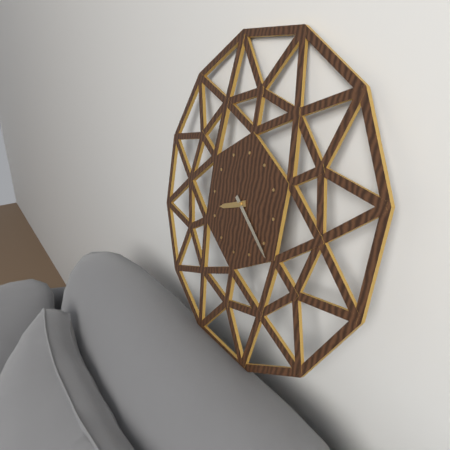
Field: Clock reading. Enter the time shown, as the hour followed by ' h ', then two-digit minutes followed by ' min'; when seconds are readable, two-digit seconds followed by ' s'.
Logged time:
8 h 21 min
